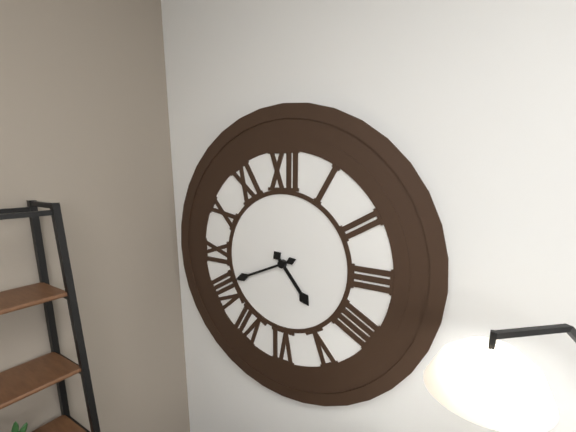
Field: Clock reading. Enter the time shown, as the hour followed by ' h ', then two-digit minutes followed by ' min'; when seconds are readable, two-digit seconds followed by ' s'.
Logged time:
4 h 41 min
